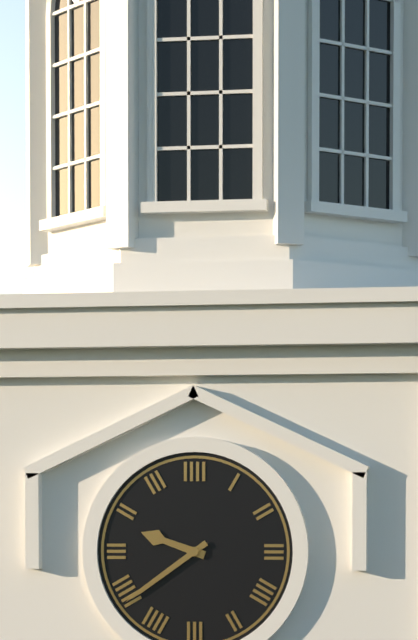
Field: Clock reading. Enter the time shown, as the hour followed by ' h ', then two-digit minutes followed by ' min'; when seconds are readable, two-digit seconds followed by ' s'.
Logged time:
9 h 39 min
